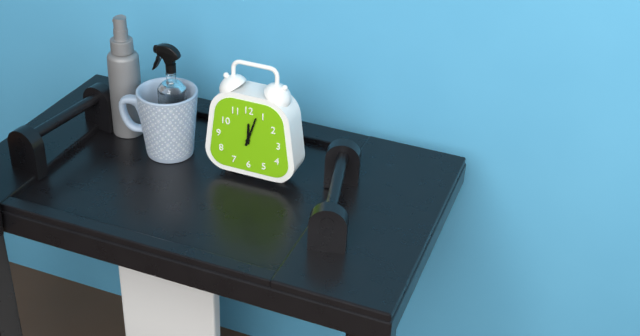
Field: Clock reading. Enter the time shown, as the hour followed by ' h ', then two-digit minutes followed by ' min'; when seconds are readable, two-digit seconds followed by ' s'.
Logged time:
12 h 03 min
